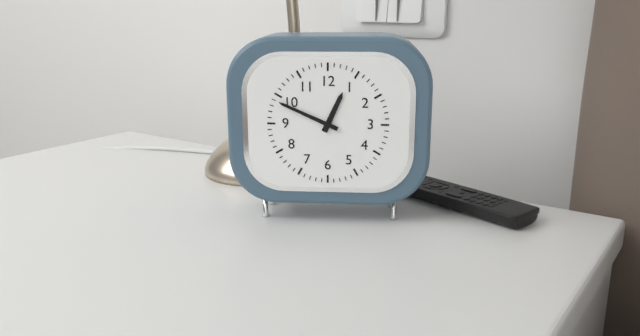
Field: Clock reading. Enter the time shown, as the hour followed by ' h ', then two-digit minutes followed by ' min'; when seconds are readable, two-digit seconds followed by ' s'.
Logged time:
12 h 49 min
